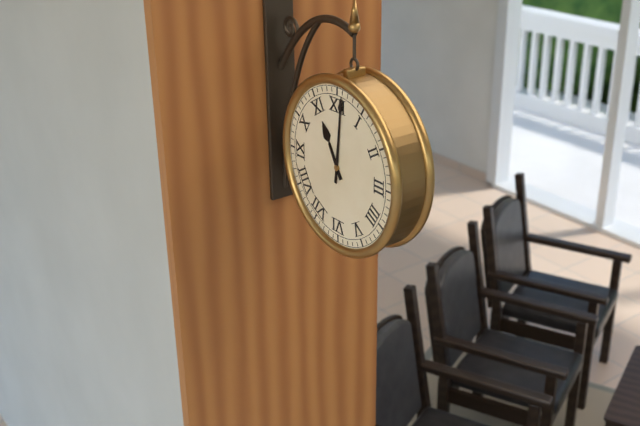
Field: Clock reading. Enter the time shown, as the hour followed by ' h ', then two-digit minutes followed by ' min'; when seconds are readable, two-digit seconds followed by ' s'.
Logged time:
11 h 01 min
